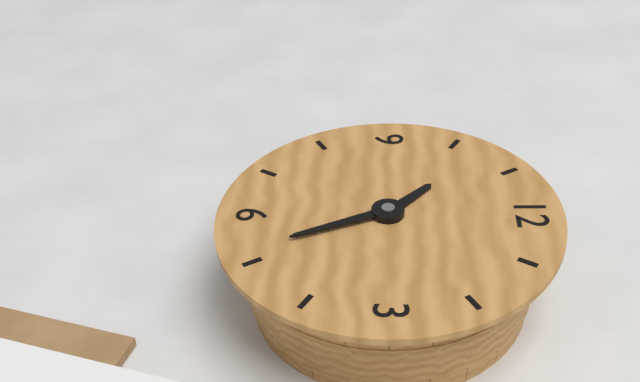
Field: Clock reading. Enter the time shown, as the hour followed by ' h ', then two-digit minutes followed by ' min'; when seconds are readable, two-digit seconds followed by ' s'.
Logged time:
10 h 26 min
